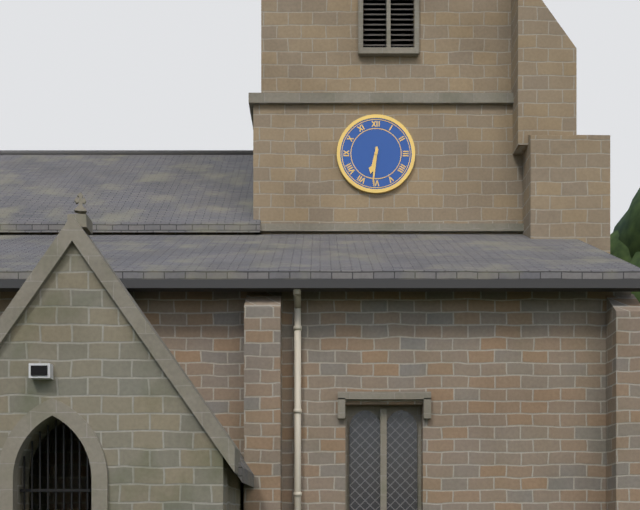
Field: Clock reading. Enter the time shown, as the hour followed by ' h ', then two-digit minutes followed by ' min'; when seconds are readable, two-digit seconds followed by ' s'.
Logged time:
6 h 31 min
